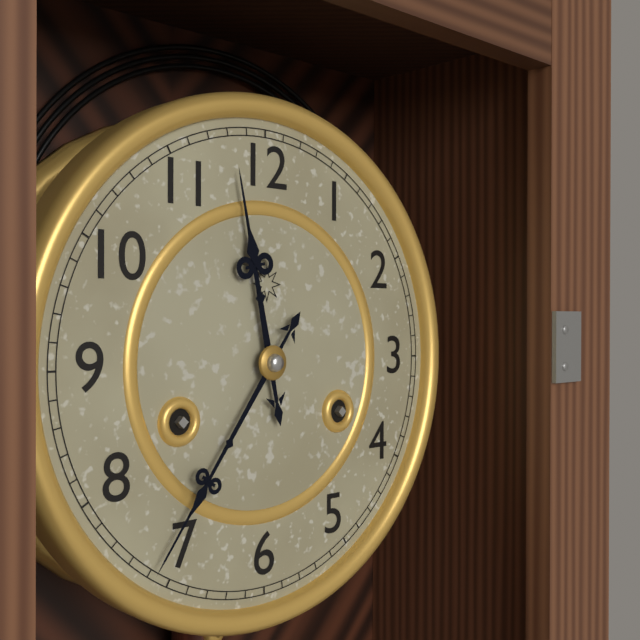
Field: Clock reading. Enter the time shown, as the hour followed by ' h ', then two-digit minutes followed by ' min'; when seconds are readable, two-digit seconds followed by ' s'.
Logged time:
11 h 36 min
